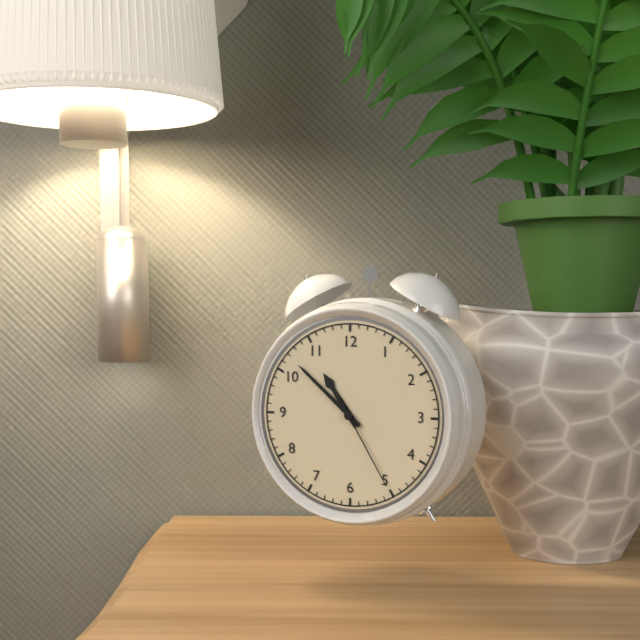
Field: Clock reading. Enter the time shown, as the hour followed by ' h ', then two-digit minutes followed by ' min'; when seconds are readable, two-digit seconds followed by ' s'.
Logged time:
10 h 52 min 25 s
